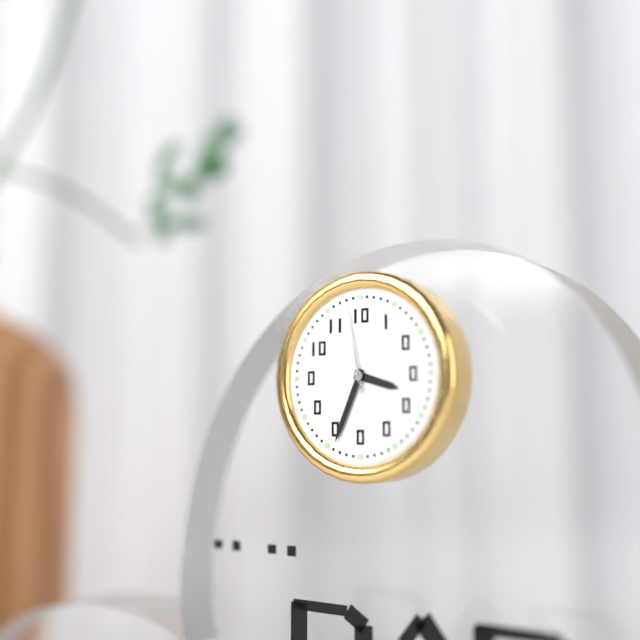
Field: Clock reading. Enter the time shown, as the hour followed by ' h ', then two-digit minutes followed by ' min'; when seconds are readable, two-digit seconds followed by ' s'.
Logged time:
3 h 34 min 58 s
